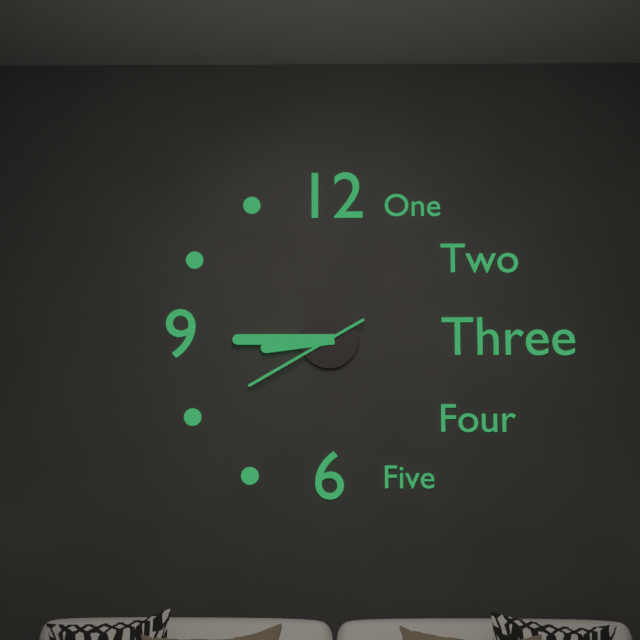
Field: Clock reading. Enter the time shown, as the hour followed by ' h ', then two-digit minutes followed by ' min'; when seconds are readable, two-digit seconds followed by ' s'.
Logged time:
8 h 45 min 40 s
